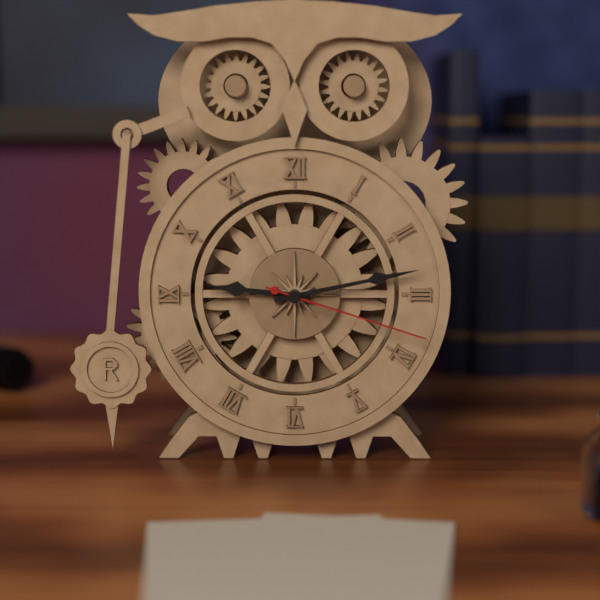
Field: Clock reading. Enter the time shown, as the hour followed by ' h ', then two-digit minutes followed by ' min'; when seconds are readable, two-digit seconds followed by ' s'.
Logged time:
9 h 13 min 18 s
